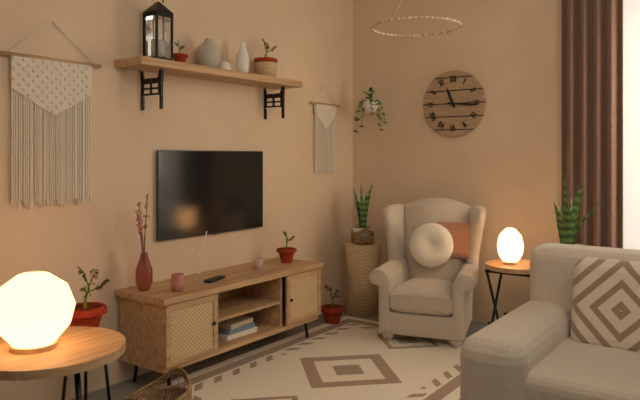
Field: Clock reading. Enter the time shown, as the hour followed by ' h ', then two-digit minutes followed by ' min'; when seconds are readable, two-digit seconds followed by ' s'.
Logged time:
11 h 16 min
